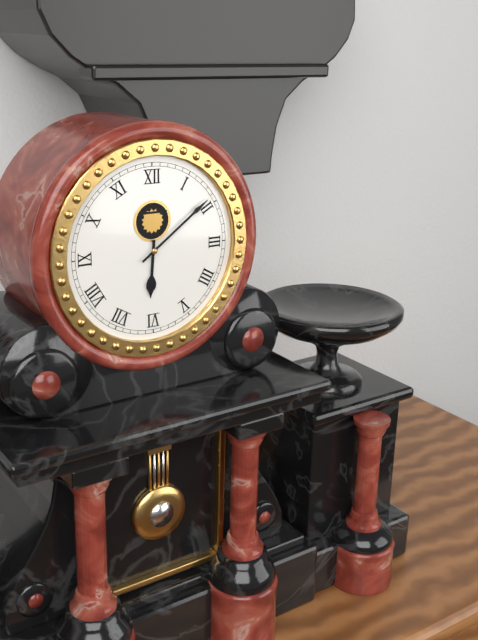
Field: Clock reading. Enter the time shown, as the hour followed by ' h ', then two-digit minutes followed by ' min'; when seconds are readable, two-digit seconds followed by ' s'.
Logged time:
6 h 09 min
